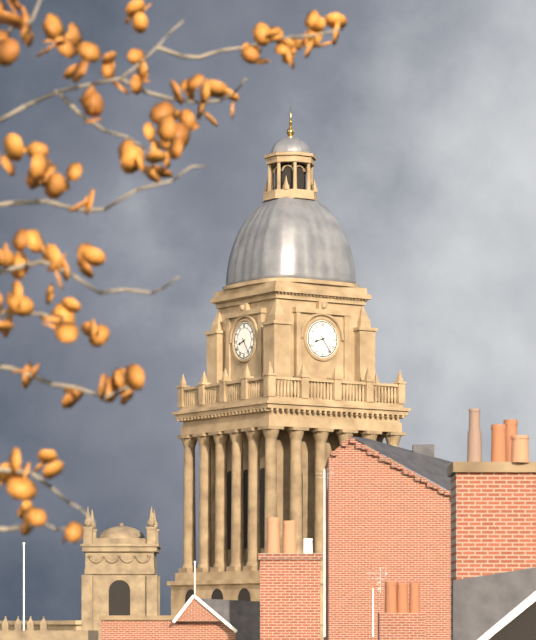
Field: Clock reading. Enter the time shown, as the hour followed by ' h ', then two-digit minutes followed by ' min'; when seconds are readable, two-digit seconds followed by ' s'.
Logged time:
8 h 24 min
